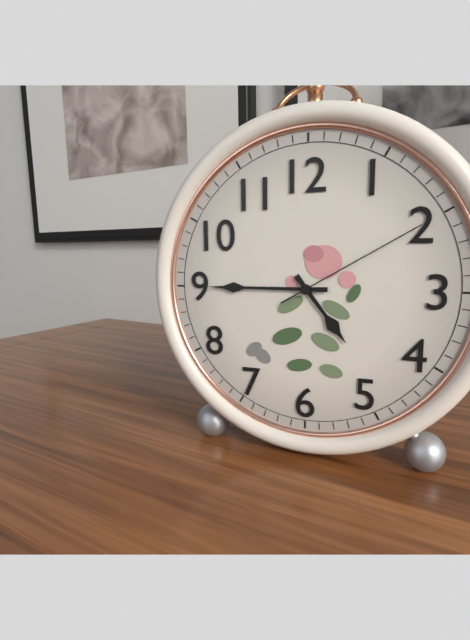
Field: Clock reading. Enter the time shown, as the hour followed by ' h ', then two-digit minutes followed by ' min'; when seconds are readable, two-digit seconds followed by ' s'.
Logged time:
4 h 45 min 10 s
